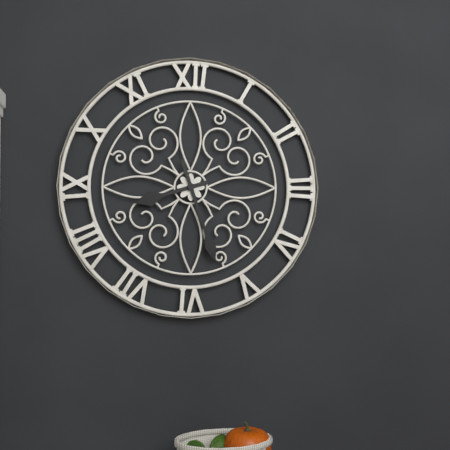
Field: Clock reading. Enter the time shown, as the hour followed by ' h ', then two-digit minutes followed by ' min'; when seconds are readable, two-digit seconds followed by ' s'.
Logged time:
8 h 27 min
